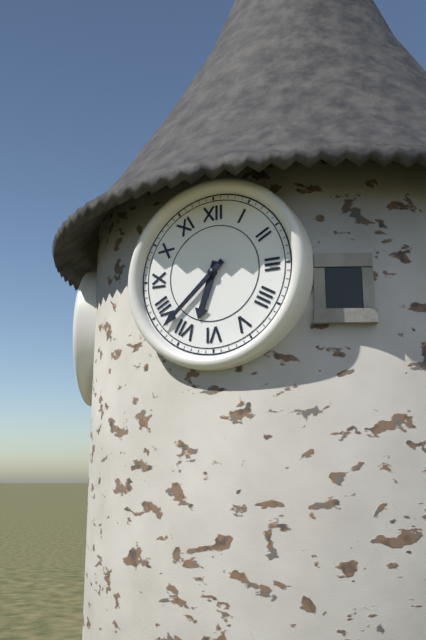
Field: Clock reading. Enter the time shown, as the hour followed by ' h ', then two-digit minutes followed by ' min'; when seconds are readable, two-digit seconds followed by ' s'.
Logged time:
6 h 38 min
